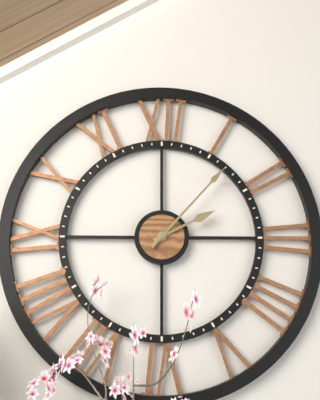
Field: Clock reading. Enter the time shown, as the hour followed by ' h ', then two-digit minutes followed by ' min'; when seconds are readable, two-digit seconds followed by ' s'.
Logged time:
2 h 07 min
